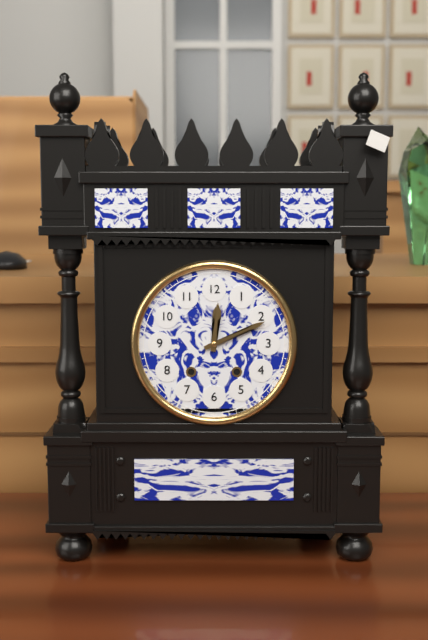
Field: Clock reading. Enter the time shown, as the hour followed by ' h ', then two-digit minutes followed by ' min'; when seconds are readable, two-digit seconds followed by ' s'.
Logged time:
12 h 11 min
